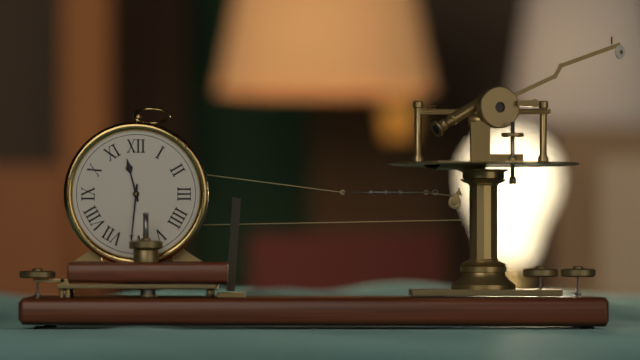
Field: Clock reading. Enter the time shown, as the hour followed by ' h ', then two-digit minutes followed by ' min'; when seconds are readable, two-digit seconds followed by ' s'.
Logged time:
11 h 31 min
